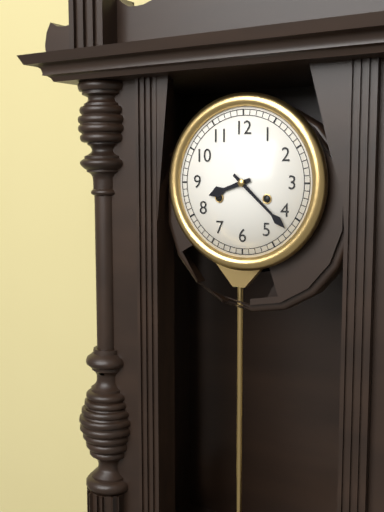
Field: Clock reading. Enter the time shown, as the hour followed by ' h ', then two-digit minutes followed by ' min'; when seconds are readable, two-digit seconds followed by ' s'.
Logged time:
8 h 22 min
